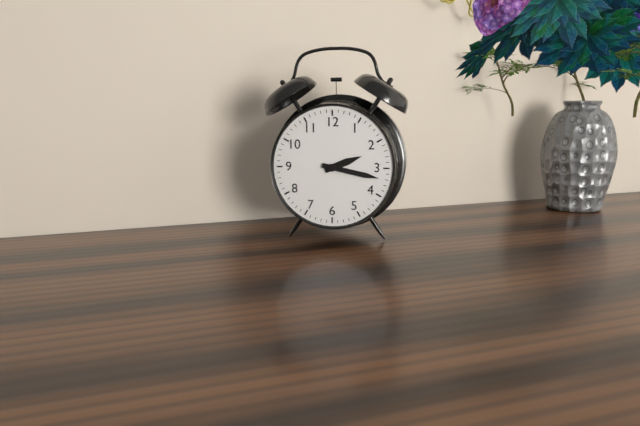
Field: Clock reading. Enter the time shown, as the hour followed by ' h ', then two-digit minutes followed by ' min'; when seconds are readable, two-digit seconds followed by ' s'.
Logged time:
2 h 17 min
